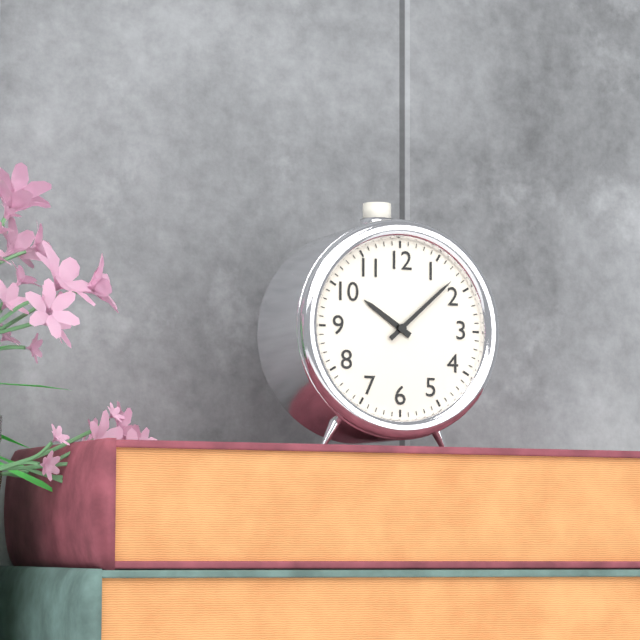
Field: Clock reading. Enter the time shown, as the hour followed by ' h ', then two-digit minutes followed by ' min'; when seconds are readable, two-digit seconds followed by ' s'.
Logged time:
10 h 08 min
